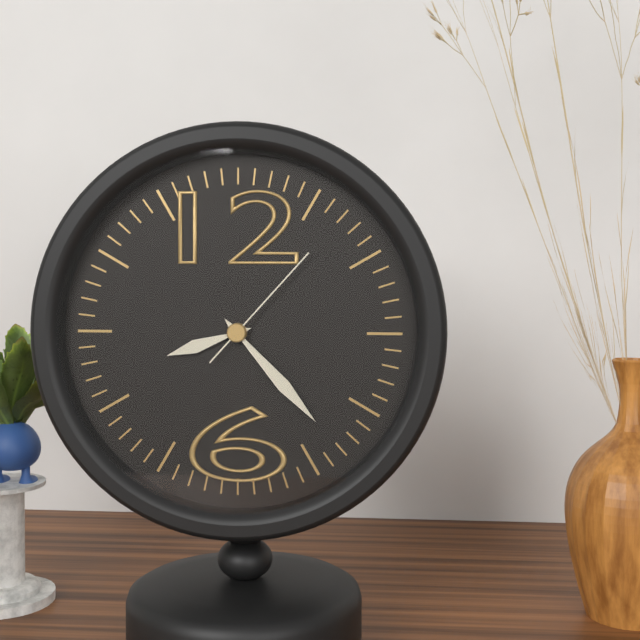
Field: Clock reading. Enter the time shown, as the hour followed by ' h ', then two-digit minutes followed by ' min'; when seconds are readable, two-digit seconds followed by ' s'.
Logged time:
8 h 23 min 07 s
